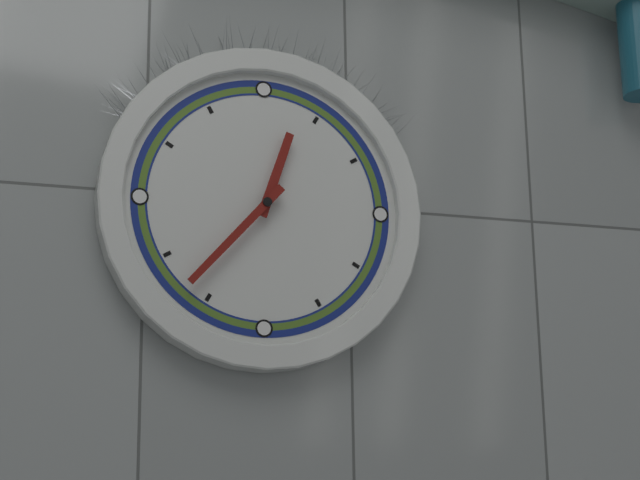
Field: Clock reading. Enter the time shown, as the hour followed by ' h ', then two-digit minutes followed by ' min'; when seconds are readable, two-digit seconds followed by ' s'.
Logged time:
12 h 37 min
